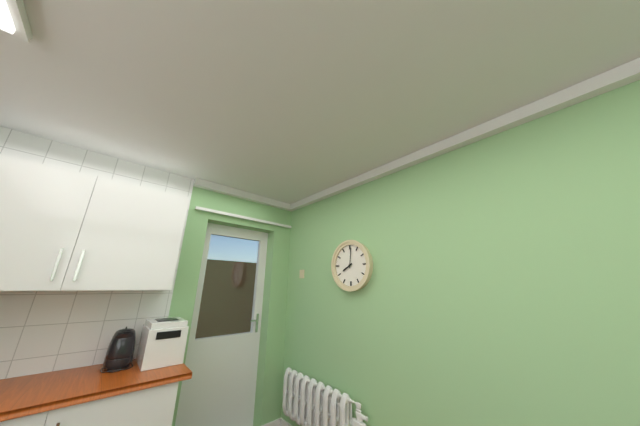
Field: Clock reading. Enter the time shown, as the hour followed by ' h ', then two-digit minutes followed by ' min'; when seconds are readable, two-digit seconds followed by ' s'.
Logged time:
8 h 01 min
